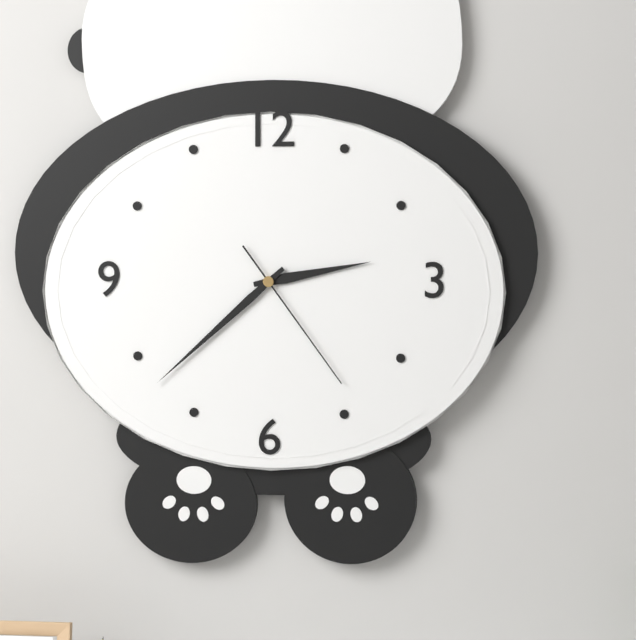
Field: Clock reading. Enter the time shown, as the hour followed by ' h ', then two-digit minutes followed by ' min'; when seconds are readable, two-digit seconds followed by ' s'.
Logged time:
2 h 38 min 24 s
